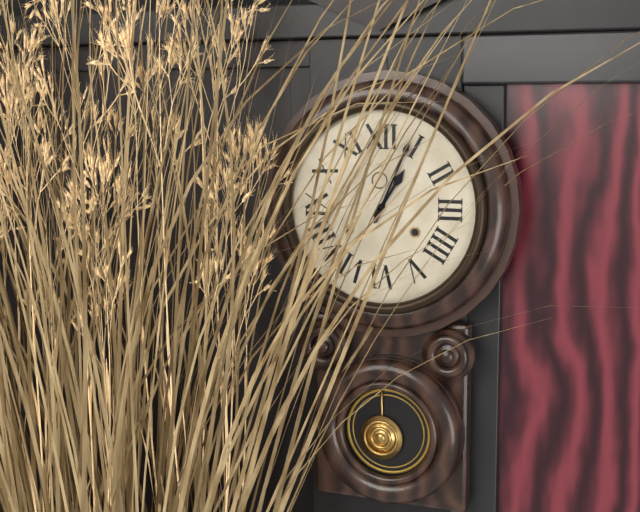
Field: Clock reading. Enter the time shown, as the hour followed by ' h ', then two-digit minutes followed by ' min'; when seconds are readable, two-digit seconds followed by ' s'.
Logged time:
1 h 04 min
